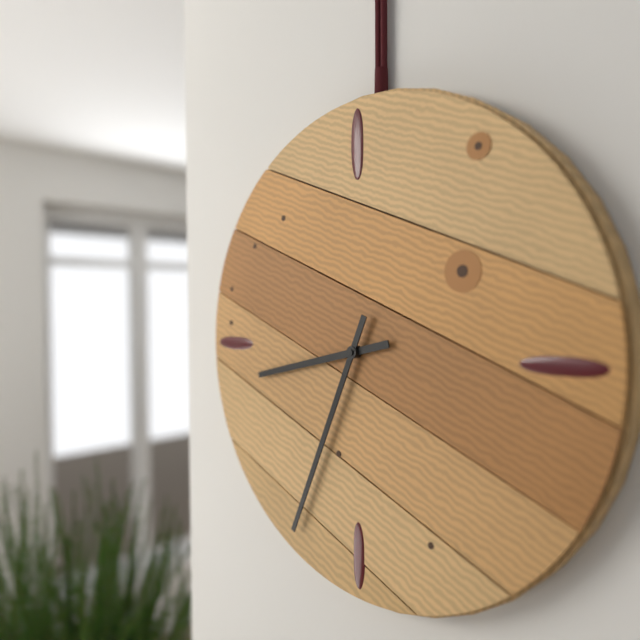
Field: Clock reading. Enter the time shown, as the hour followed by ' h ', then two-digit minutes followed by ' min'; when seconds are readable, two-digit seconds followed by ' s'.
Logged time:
8 h 34 min
